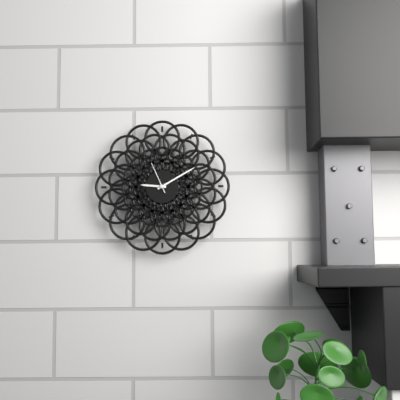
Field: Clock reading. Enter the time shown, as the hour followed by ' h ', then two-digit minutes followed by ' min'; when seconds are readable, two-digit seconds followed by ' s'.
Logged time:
9 h 10 min
